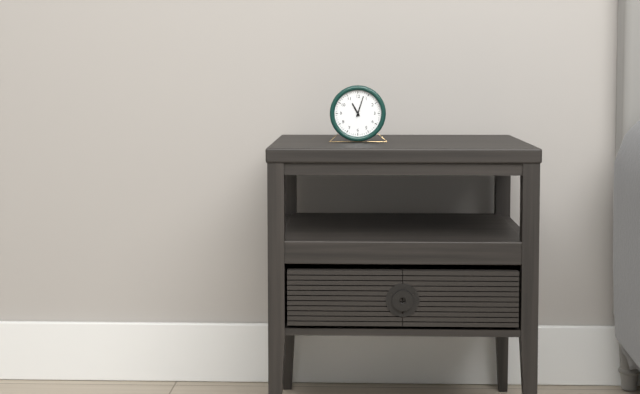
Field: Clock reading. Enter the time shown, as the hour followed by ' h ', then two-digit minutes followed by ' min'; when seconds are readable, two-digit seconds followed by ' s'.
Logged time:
11 h 03 min
